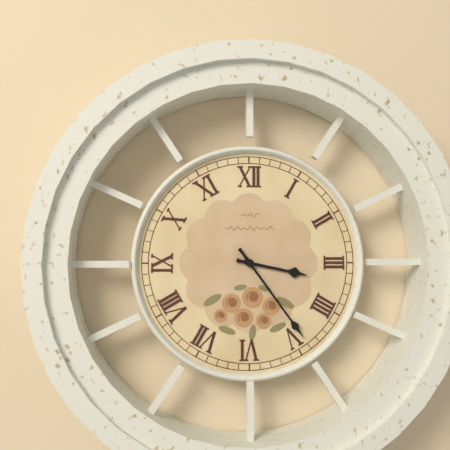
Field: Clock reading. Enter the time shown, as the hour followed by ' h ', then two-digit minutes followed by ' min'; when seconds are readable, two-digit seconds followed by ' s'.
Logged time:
3 h 24 min
